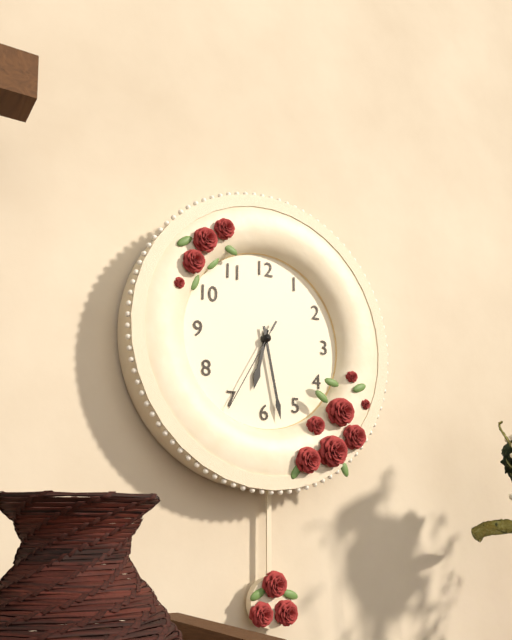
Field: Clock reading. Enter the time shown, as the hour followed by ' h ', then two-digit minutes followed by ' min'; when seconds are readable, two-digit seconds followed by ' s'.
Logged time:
6 h 28 min 35 s
